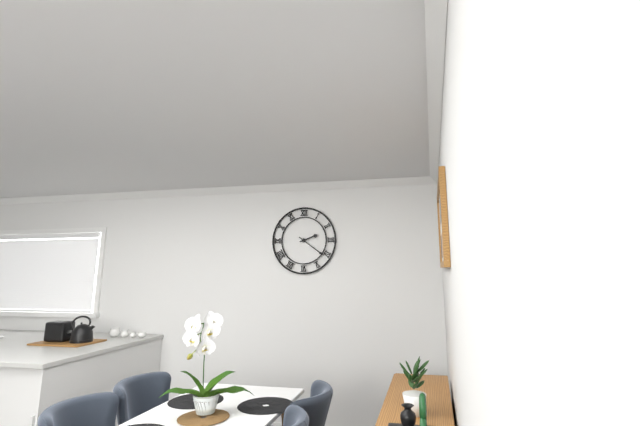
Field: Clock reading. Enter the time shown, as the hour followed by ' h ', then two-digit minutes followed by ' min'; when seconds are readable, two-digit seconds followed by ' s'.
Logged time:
2 h 21 min
